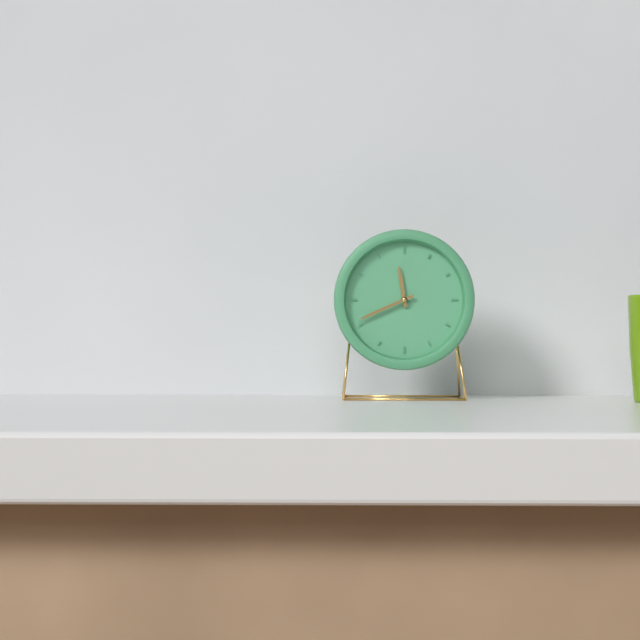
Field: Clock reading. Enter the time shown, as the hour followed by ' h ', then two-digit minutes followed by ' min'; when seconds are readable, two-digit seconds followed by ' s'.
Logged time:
11 h 41 min
